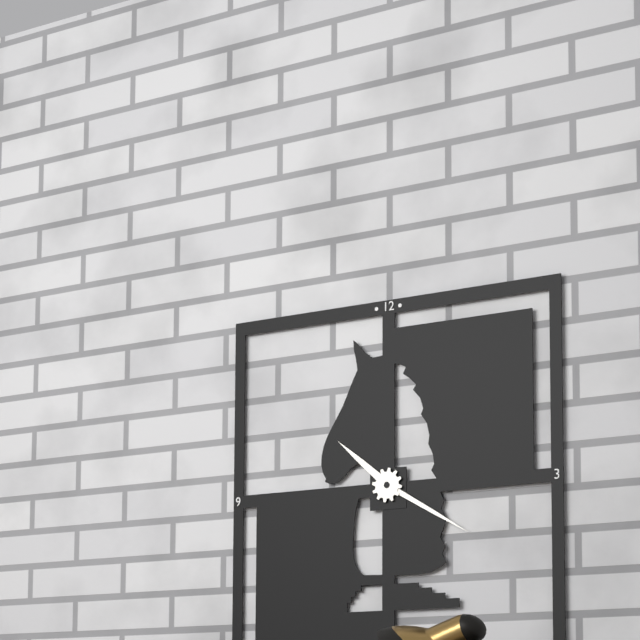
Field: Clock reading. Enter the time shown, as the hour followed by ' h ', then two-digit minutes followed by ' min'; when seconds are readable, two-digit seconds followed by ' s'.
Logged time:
10 h 20 min
